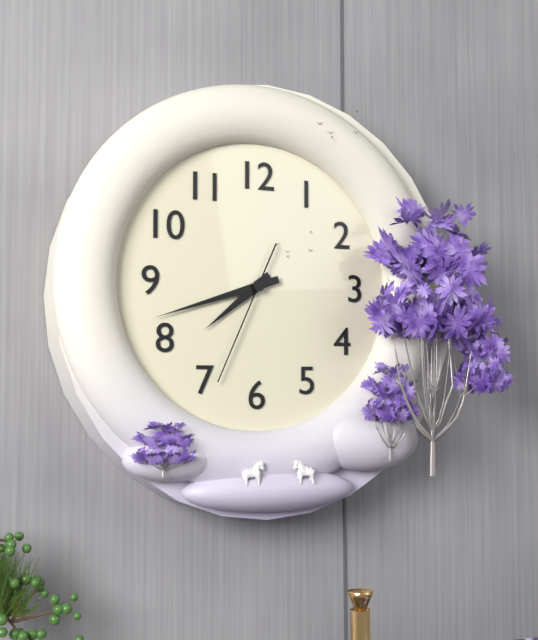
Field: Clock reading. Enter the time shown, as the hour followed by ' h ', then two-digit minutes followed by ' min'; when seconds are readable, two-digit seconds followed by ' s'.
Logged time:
7 h 42 min 34 s
